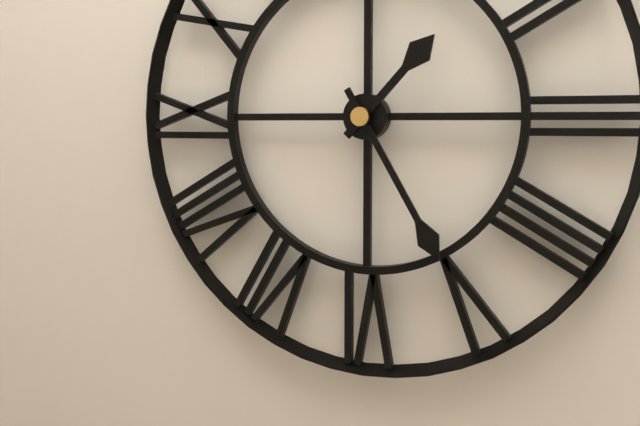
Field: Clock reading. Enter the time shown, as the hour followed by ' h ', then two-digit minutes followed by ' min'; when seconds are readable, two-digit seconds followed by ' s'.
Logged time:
1 h 25 min
